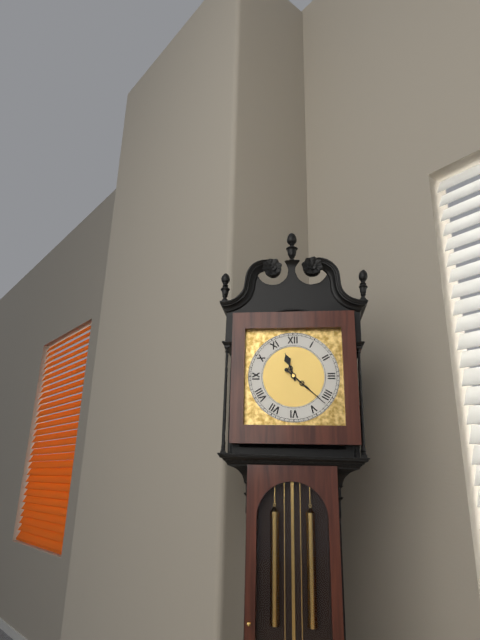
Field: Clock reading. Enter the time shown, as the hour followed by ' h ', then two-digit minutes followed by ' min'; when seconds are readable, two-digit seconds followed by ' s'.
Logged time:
11 h 22 min
